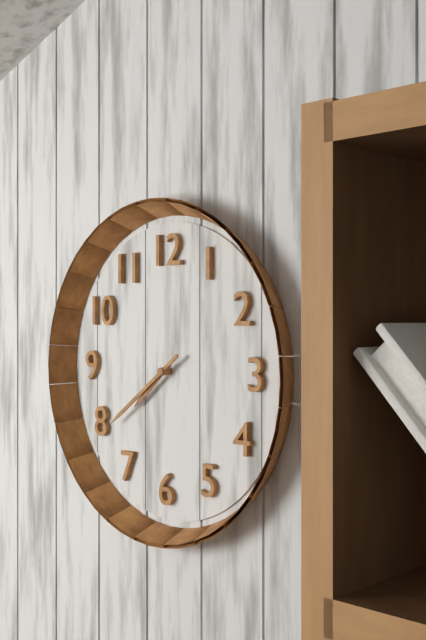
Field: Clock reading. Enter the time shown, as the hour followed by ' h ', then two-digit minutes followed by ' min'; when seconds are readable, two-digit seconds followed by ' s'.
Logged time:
7 h 39 min
